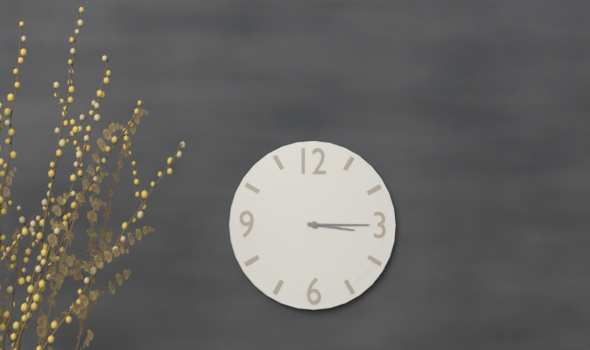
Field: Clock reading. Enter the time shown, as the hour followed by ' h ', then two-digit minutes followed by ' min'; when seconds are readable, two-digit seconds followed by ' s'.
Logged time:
3 h 15 min
